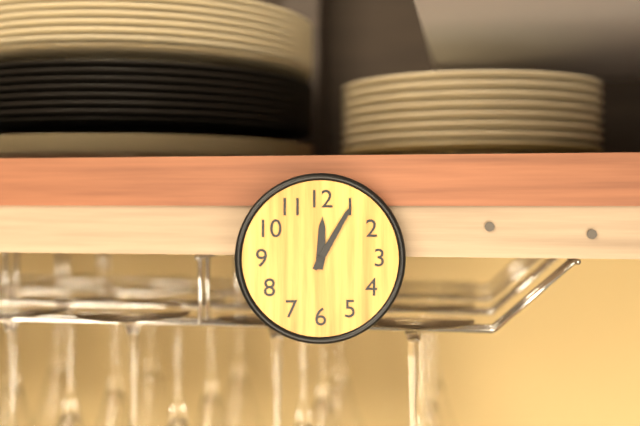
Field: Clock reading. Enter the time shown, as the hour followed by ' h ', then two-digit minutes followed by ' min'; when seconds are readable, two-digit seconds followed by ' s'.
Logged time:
12 h 05 min
